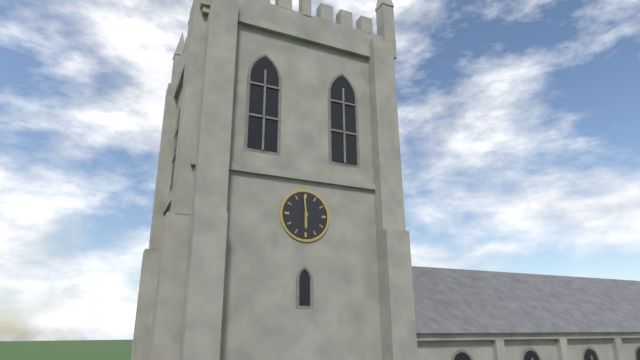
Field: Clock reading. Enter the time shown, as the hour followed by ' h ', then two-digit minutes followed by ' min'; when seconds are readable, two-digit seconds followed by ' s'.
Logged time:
5 h 59 min
